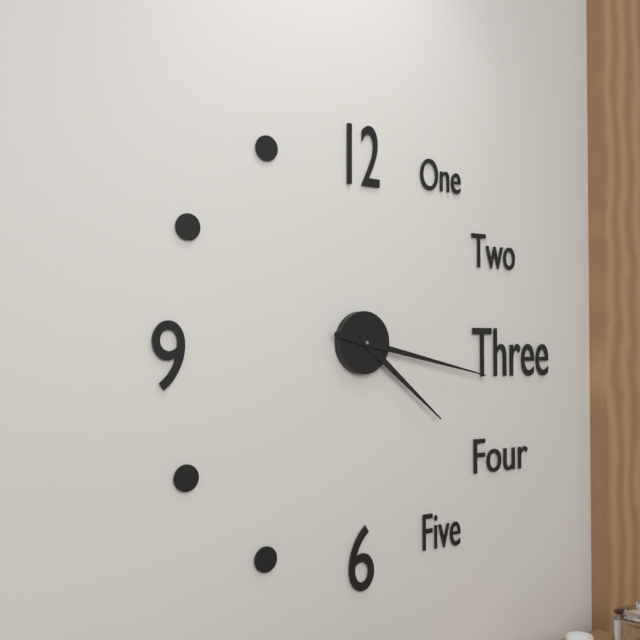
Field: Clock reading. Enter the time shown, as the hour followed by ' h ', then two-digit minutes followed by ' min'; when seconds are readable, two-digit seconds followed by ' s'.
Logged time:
4 h 17 min
